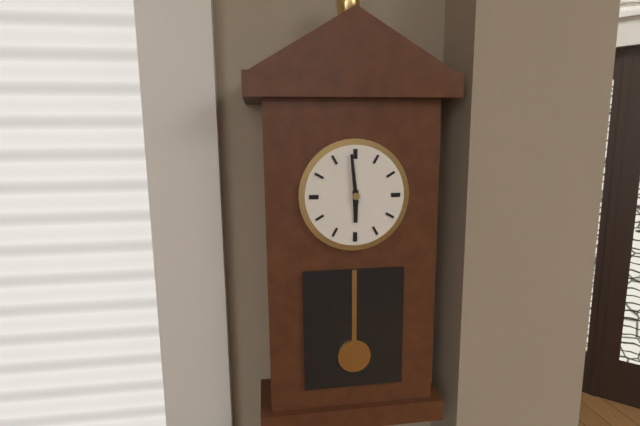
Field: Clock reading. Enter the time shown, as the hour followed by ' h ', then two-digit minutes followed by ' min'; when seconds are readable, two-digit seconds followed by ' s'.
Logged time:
5 h 59 min
